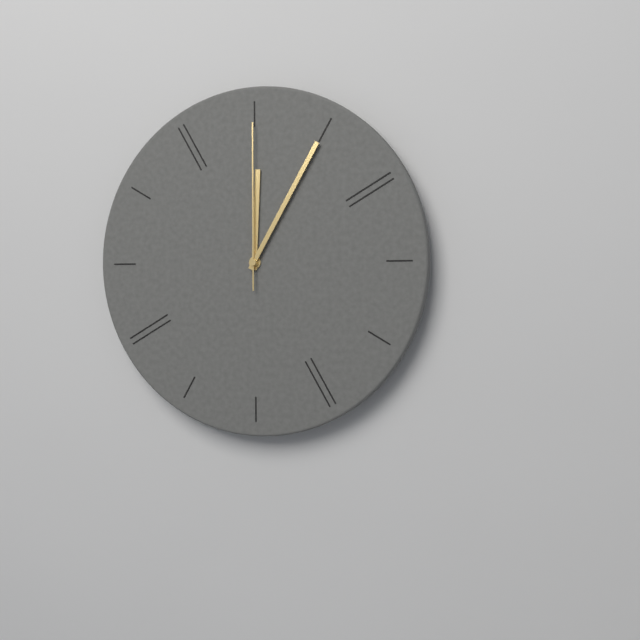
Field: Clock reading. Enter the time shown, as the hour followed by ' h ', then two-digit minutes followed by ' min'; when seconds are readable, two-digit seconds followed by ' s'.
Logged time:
12 h 05 min 00 s
